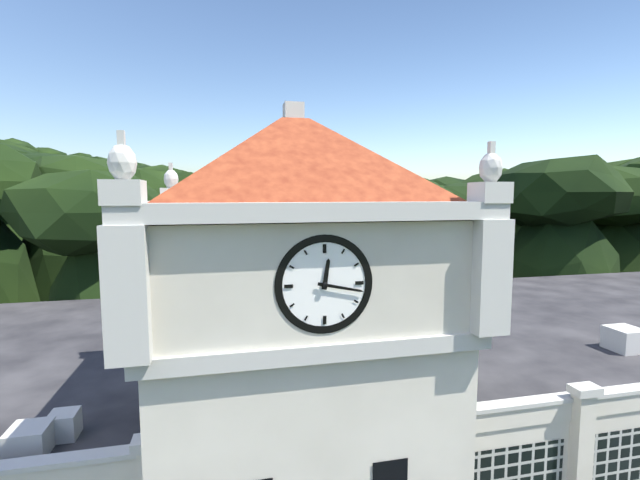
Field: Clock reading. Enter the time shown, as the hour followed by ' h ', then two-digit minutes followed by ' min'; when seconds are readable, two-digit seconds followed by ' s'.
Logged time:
12 h 17 min
